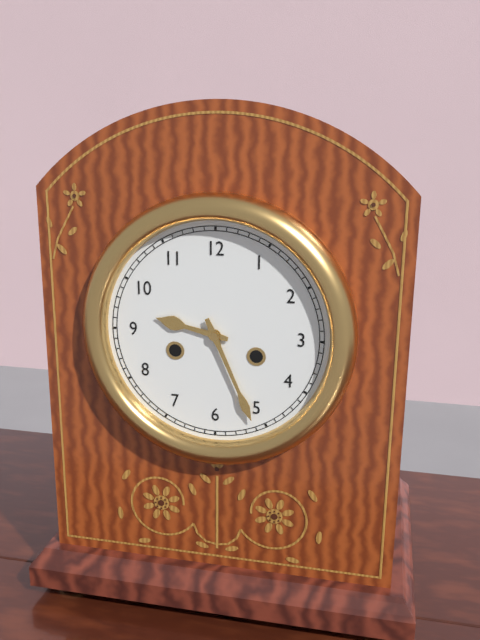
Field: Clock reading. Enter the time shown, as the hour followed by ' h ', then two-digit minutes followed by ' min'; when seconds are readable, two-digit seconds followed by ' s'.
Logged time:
9 h 26 min
